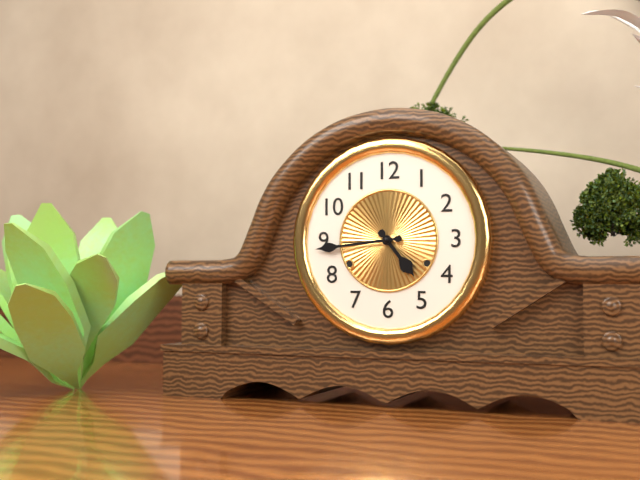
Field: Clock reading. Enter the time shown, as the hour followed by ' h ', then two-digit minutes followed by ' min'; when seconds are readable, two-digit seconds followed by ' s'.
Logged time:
4 h 44 min
